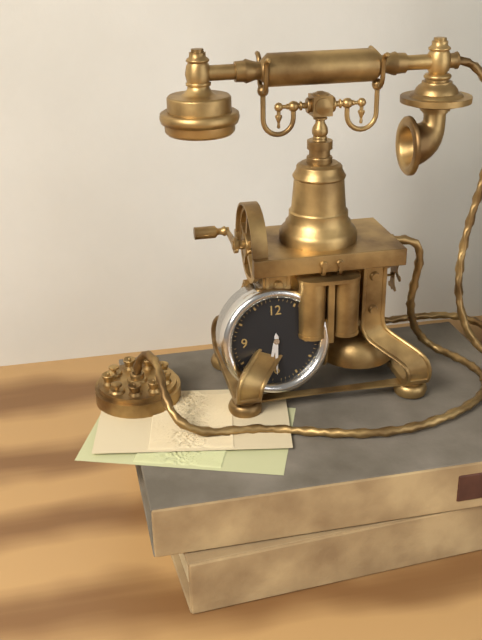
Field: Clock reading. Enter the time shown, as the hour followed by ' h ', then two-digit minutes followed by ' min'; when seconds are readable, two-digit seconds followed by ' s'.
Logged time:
6 h 30 min
